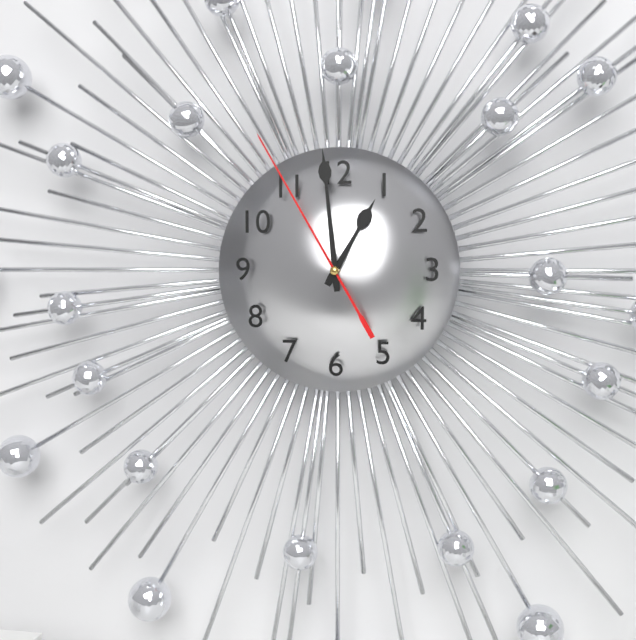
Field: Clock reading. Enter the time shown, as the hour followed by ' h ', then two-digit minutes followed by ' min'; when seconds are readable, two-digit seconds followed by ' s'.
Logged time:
12 h 59 min 55 s
